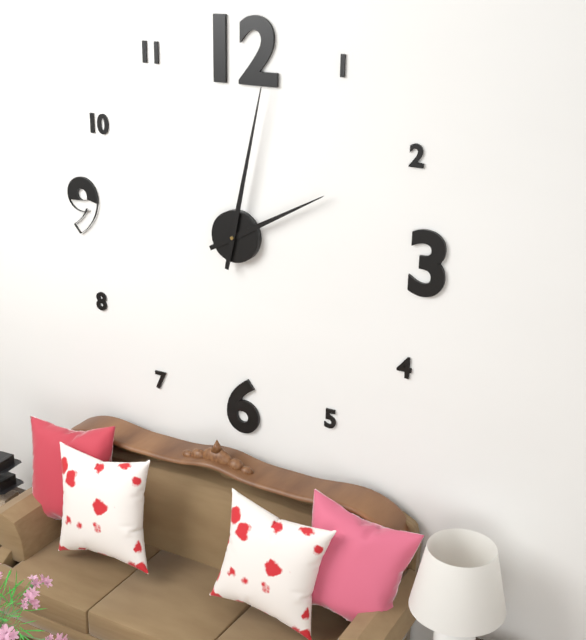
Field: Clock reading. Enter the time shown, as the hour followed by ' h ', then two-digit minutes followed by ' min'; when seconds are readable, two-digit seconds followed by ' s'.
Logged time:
2 h 02 min
